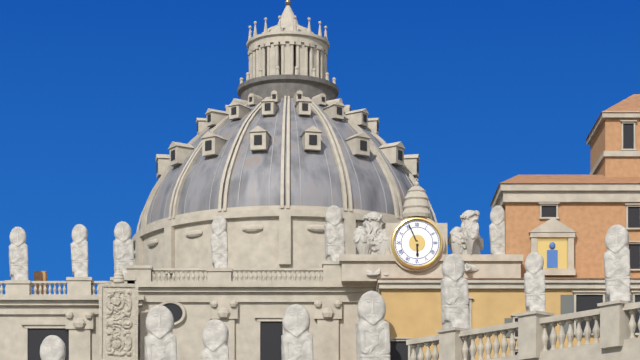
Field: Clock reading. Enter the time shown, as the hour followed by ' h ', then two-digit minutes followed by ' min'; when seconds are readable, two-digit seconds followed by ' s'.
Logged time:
5 h 56 min
